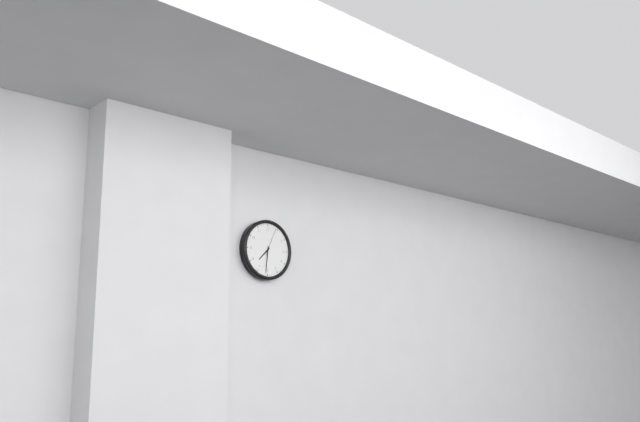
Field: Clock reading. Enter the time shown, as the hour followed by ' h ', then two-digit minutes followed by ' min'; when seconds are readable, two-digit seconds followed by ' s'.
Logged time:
7 h 31 min
